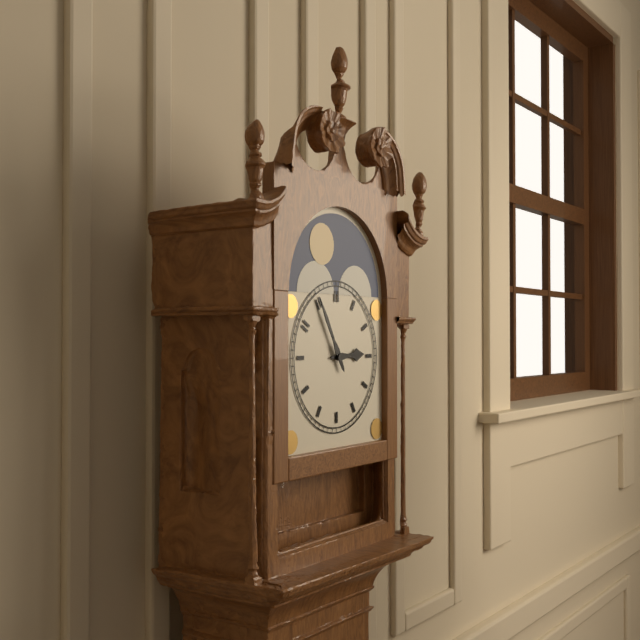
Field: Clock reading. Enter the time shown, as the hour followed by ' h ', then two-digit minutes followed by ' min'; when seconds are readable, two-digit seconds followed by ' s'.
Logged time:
2 h 55 min
